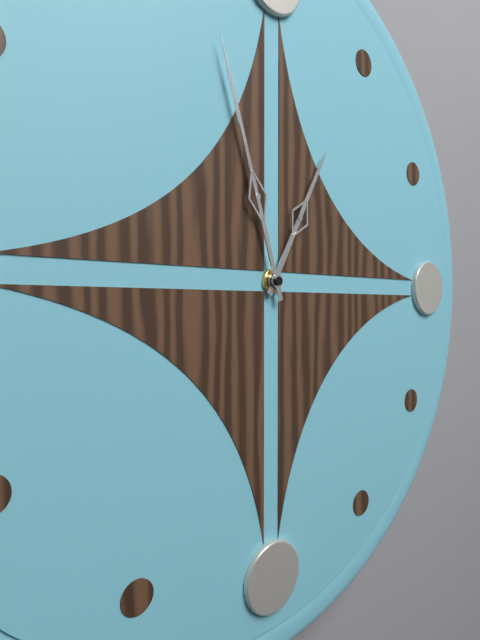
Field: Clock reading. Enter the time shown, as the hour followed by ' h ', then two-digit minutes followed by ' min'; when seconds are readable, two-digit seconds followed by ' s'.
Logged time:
12 h 57 min
